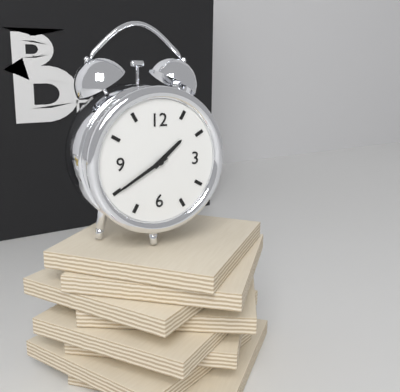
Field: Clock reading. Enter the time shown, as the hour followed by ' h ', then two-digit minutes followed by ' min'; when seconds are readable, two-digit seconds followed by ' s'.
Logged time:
1 h 40 min
